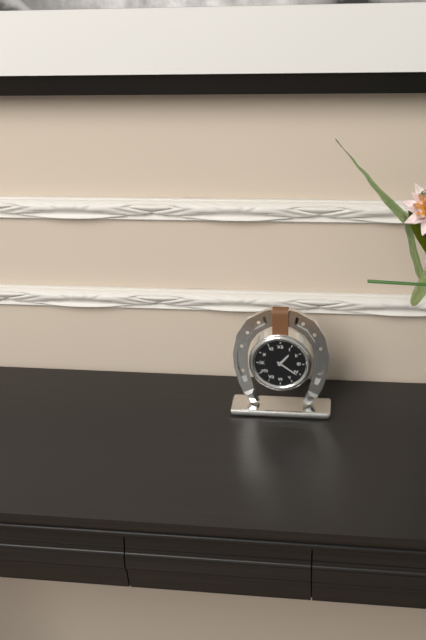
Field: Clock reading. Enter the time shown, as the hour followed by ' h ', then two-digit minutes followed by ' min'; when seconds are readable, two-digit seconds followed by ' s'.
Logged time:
1 h 21 min
